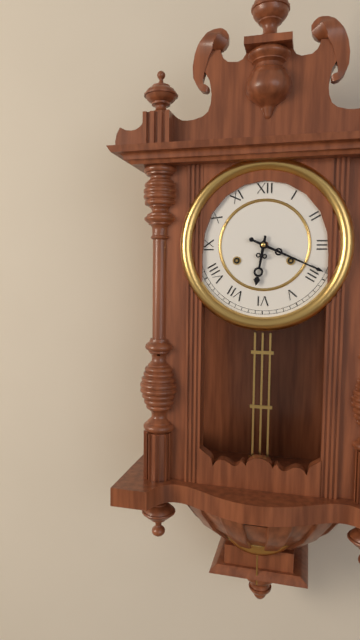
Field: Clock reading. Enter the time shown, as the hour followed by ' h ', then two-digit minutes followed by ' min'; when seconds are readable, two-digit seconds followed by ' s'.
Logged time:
6 h 19 min
